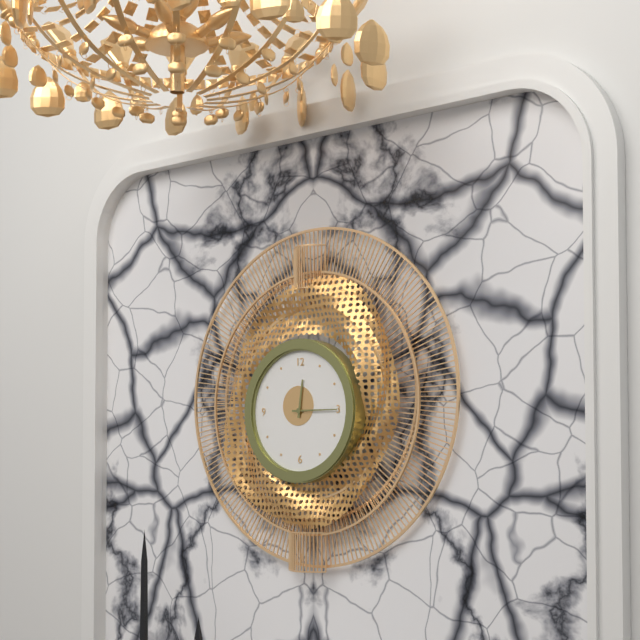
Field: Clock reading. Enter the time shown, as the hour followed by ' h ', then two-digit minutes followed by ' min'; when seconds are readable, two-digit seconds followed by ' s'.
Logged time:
12 h 15 min
